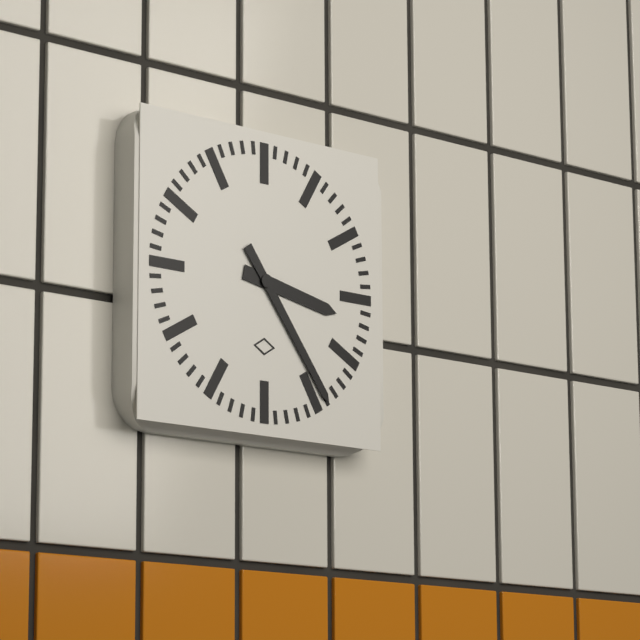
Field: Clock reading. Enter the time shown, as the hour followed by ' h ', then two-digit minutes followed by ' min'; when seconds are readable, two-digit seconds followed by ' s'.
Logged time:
3 h 24 min
